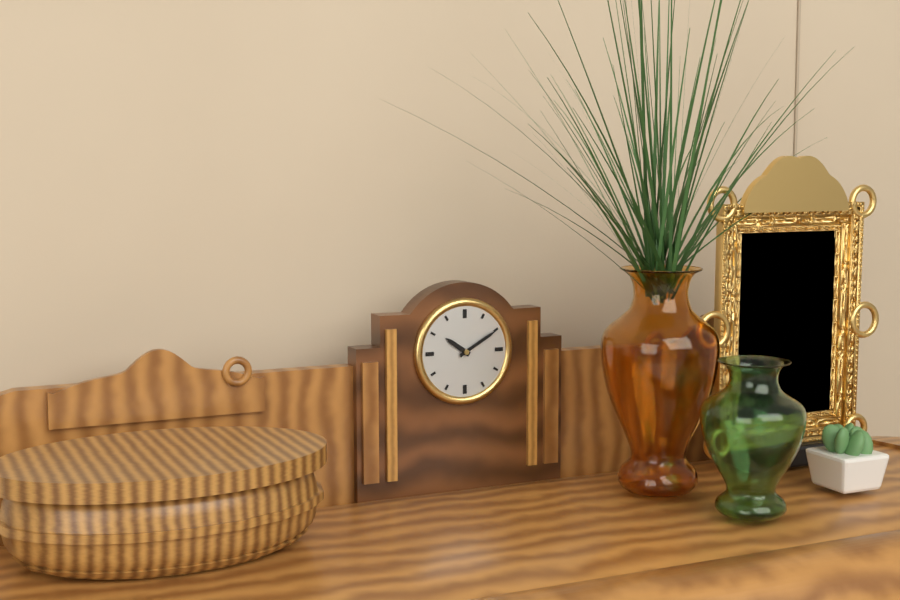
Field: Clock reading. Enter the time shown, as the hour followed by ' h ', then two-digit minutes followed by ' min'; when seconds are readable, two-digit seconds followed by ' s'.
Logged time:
10 h 10 min
